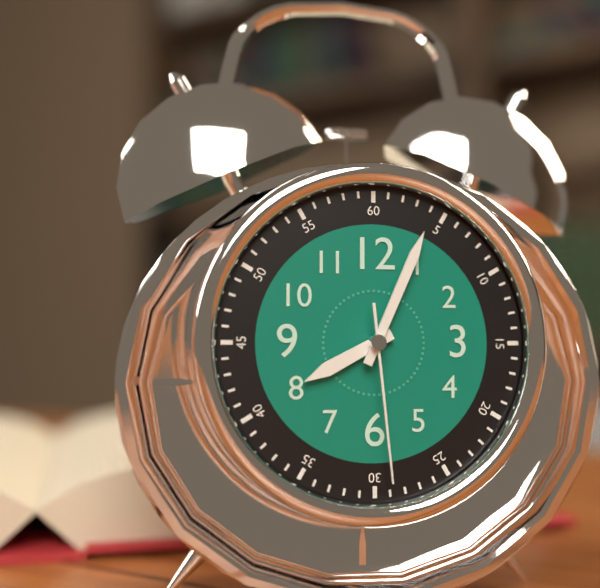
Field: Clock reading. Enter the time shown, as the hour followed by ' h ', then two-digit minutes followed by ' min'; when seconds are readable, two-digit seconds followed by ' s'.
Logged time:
8 h 04 min 29 s
